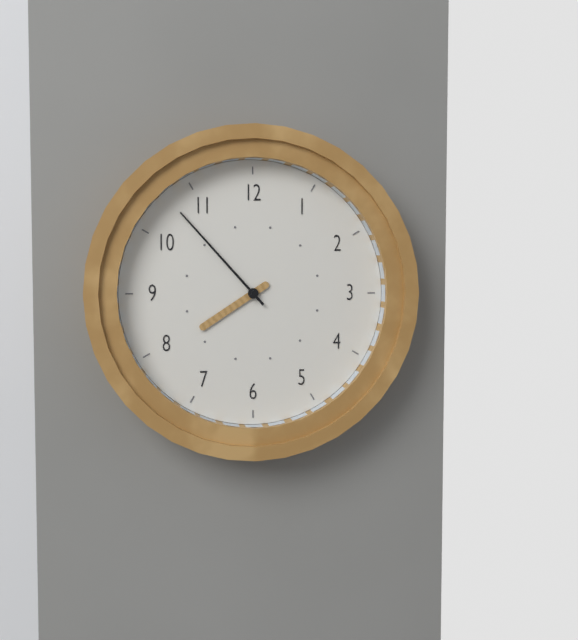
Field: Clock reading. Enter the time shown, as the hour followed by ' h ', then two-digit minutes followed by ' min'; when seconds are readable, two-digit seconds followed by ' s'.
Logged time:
7 h 53 min
